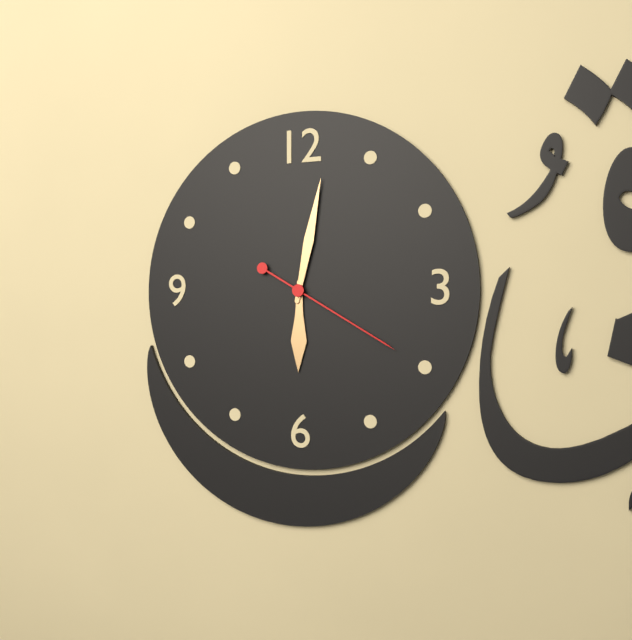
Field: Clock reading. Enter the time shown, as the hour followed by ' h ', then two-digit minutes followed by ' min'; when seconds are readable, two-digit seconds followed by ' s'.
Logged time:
6 h 02 min 20 s
